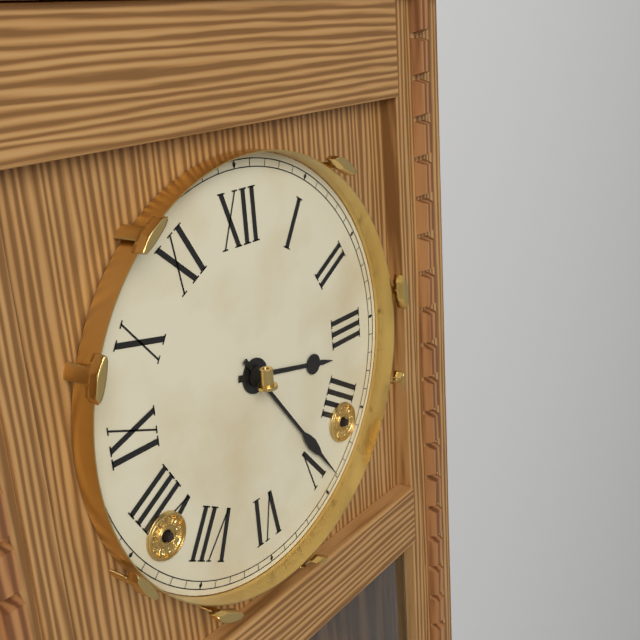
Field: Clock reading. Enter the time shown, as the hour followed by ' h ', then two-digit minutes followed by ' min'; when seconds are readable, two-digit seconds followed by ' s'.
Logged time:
3 h 24 min
